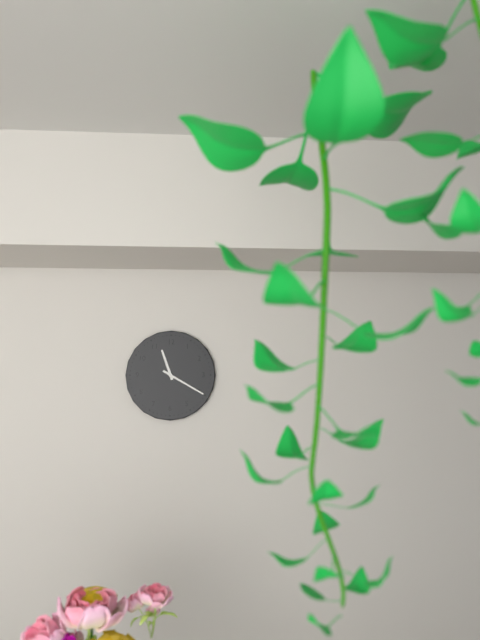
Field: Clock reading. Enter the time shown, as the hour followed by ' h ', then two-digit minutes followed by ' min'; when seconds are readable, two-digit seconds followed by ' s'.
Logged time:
11 h 20 min
